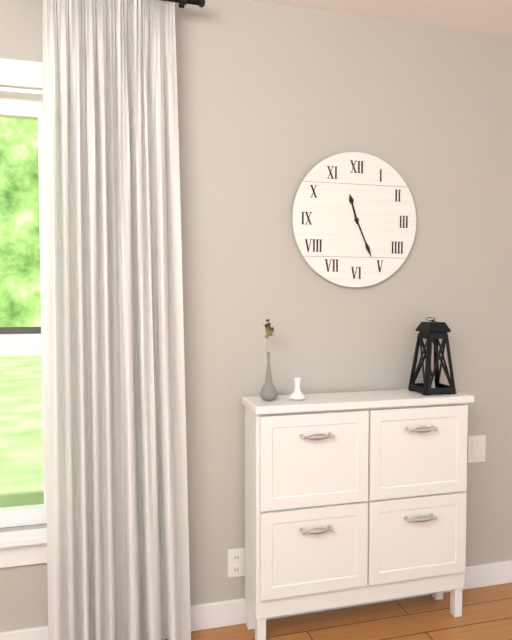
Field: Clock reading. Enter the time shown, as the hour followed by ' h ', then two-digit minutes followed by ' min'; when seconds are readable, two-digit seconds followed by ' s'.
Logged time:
11 h 26 min
